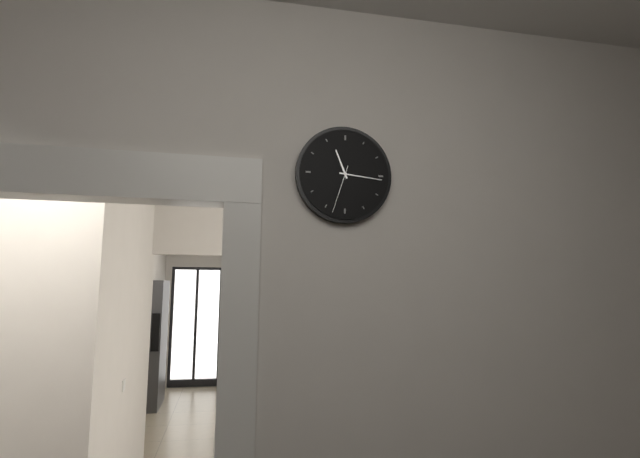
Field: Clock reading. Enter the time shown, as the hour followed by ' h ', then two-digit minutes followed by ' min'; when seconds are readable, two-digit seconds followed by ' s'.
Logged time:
11 h 16 min 33 s
